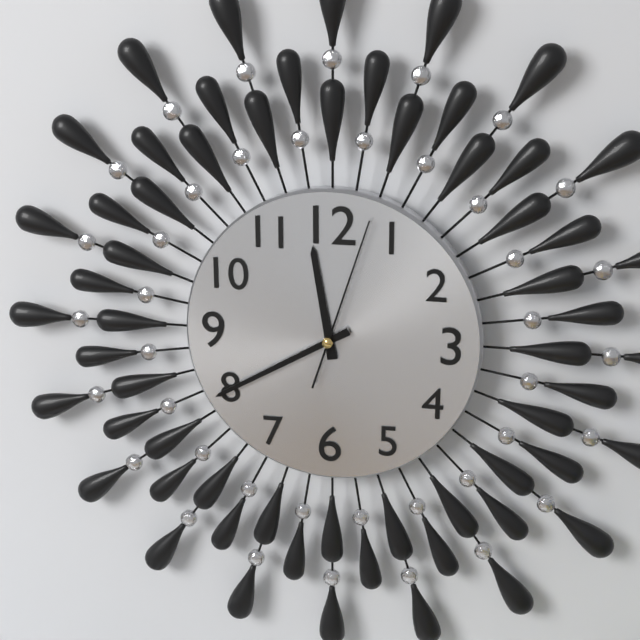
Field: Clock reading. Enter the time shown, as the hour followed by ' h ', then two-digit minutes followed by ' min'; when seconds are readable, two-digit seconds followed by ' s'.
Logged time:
11 h 40 min 03 s
